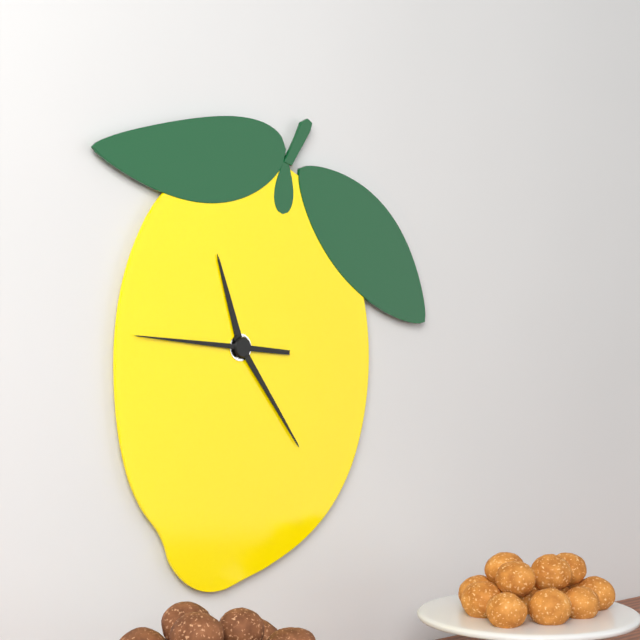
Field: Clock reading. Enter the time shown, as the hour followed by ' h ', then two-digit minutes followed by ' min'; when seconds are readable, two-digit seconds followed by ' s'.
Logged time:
11 h 24 min 46 s
